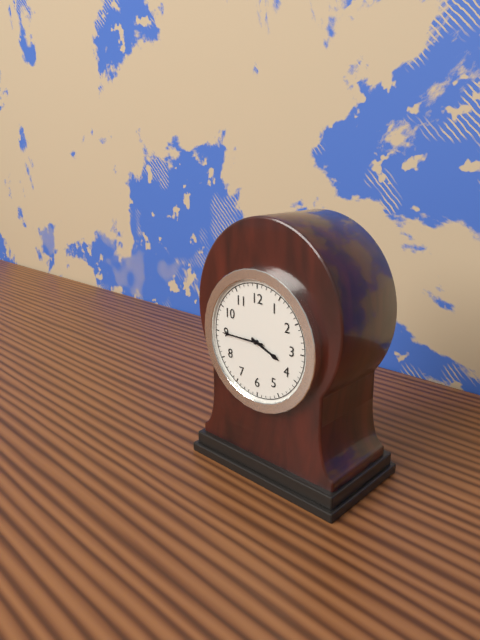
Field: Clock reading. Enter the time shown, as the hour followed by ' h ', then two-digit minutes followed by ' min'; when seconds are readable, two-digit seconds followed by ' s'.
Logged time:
3 h 45 min
